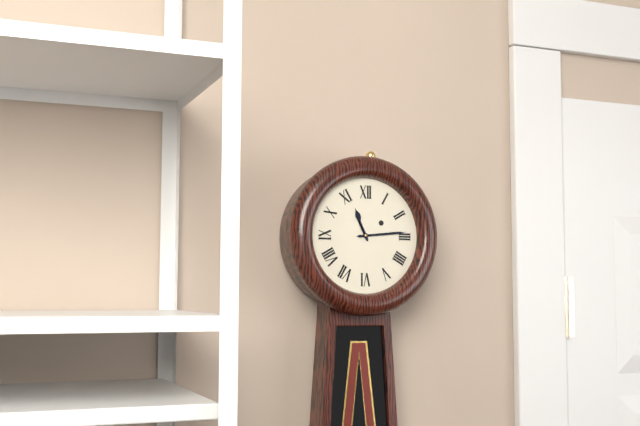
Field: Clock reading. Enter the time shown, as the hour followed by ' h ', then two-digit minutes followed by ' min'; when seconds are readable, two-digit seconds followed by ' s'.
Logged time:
11 h 14 min
